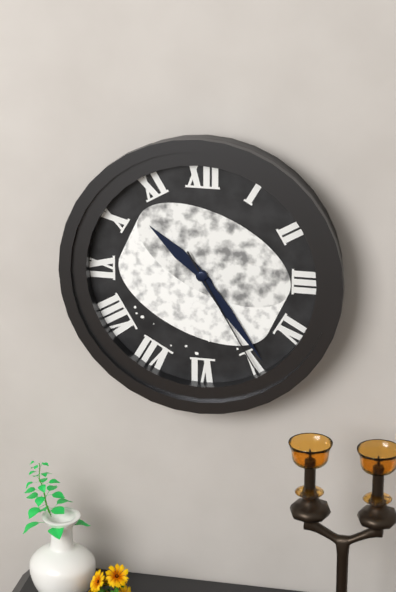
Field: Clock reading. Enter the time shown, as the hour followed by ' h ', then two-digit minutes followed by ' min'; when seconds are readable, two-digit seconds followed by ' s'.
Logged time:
10 h 24 min 25 s
